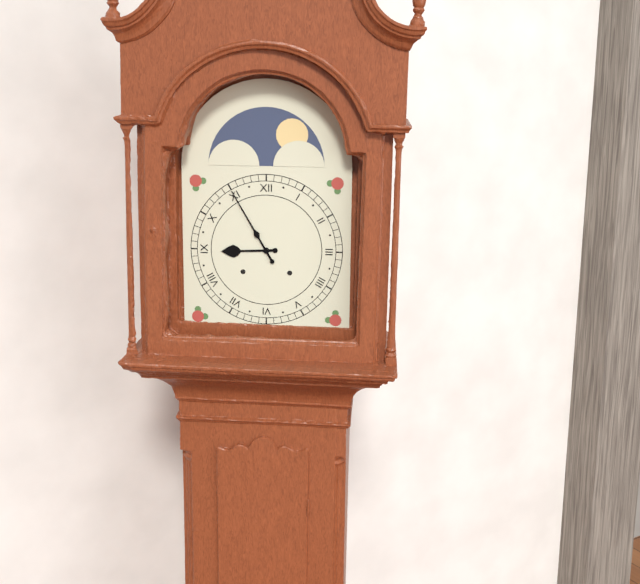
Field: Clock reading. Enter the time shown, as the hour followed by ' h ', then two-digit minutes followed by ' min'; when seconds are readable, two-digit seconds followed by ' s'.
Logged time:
8 h 55 min
